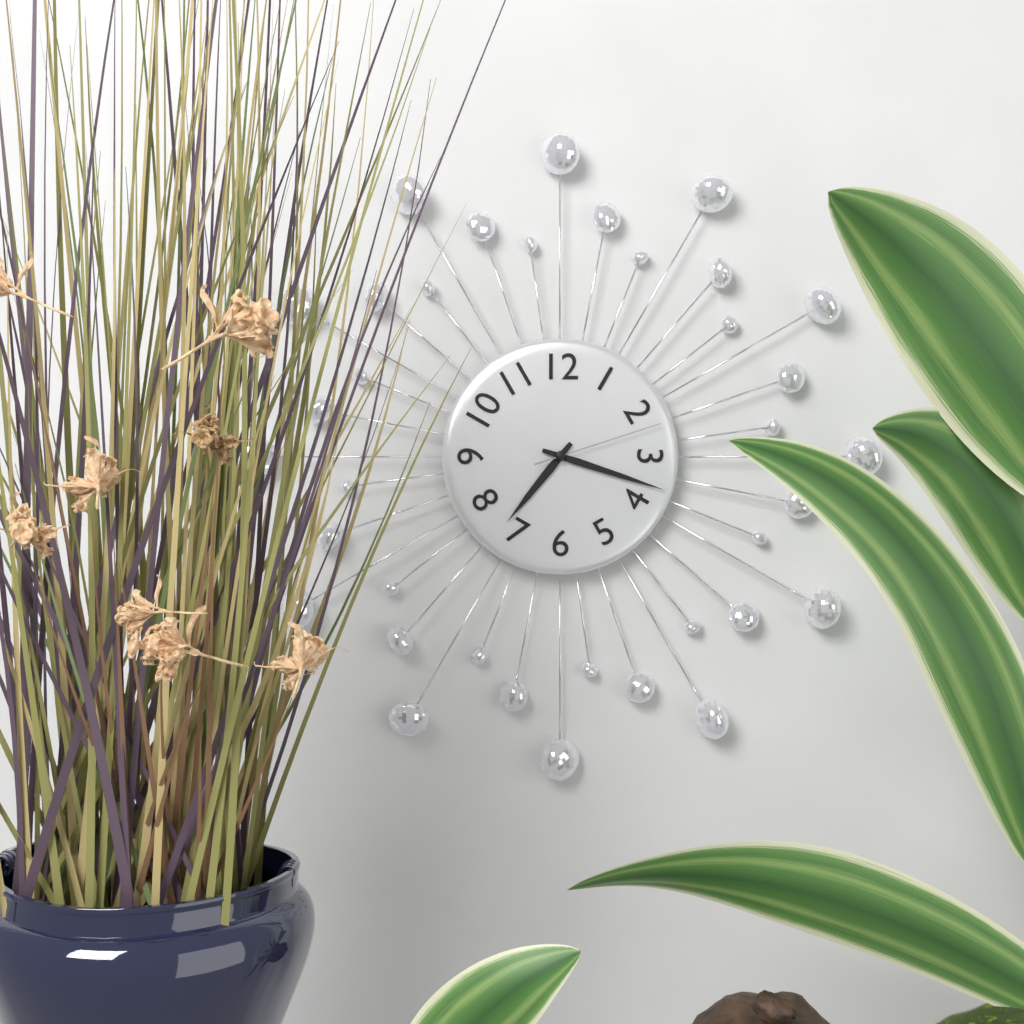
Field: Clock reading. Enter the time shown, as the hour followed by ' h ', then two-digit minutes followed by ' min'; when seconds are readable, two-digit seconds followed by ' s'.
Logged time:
7 h 18 min 12 s
